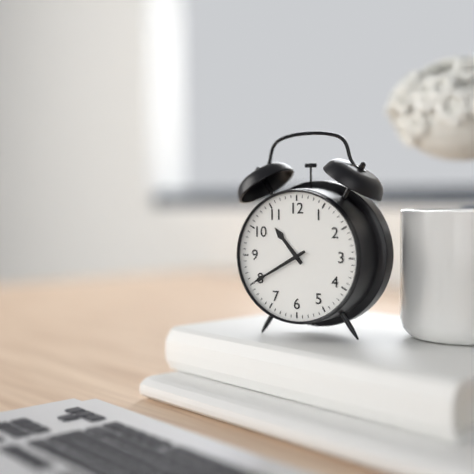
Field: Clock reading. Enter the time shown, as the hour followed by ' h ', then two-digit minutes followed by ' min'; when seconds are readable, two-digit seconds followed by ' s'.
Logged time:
10 h 40 min
